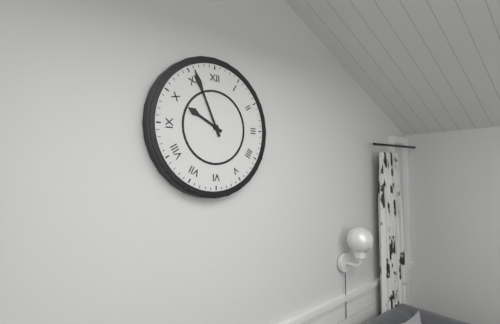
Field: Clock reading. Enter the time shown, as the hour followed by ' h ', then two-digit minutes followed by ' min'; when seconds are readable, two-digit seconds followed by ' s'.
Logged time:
9 h 56 min
